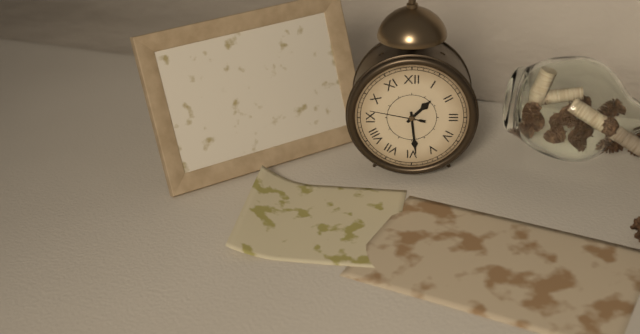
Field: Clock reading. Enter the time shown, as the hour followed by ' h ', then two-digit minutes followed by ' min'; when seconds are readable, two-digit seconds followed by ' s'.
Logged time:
1 h 29 min 47 s
